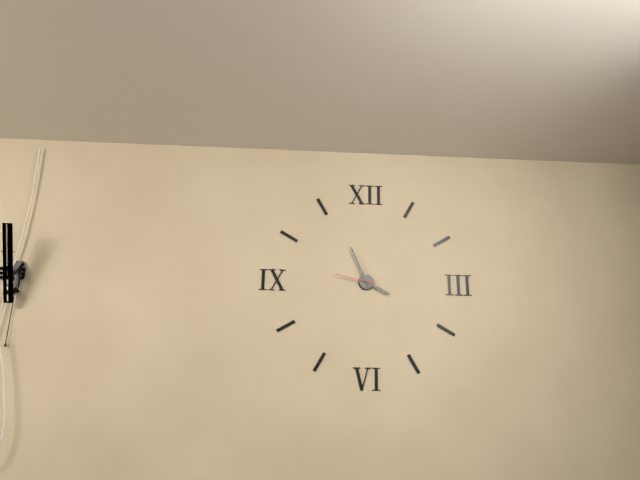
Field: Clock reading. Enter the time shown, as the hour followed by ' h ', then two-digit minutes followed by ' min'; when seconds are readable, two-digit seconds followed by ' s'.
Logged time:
3 h 56 min
